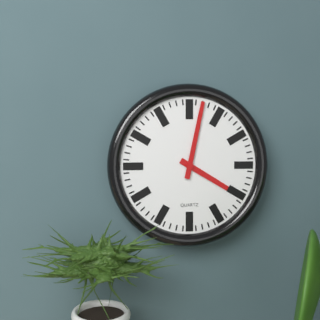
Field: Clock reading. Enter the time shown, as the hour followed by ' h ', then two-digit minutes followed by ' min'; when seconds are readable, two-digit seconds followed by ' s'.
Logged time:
4 h 02 min
